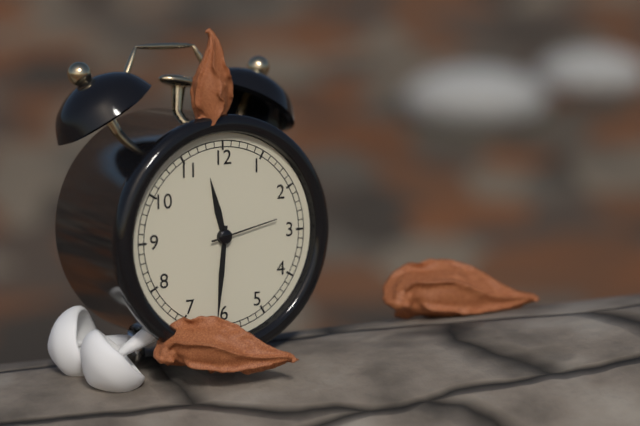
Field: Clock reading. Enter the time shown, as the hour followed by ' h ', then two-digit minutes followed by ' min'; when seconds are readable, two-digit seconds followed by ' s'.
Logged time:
11 h 31 min 13 s
